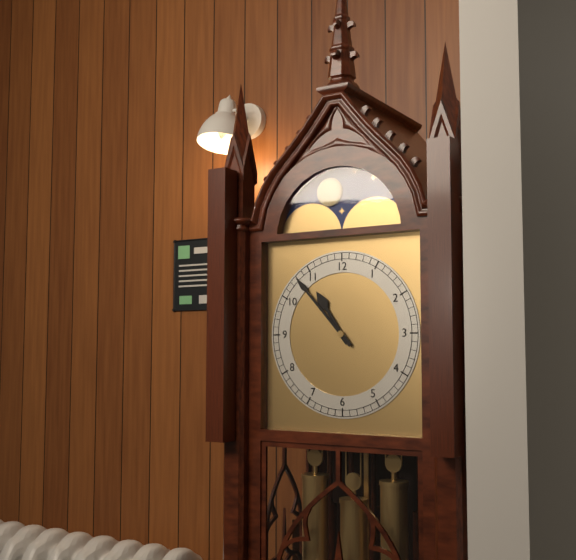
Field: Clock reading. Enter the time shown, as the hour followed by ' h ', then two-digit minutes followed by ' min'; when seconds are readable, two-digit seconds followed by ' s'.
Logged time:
10 h 53 min
